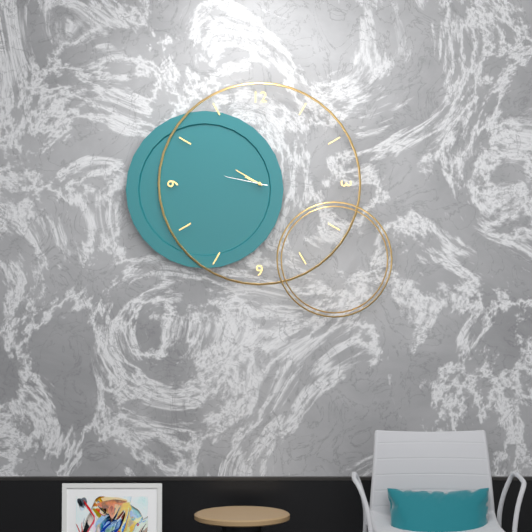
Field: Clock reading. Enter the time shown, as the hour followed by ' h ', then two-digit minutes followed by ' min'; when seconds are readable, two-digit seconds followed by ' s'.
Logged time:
9 h 50 min
